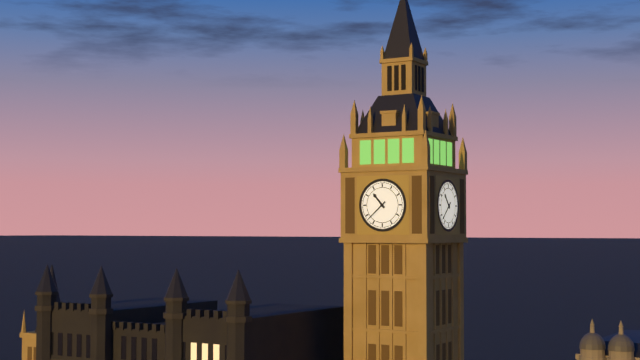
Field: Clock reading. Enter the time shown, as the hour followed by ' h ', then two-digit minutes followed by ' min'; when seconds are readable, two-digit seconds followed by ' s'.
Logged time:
10 h 38 min
